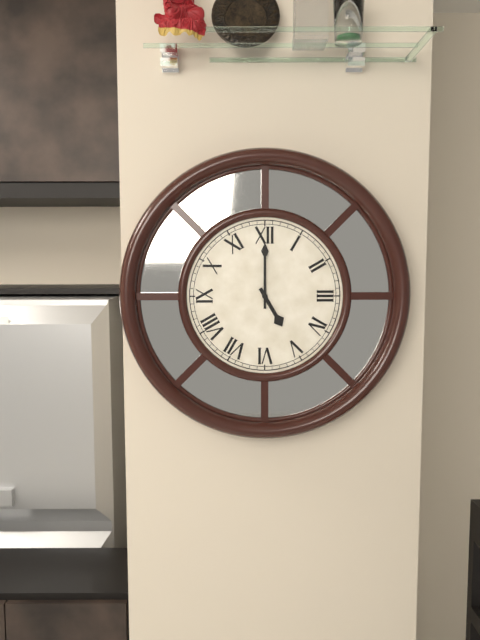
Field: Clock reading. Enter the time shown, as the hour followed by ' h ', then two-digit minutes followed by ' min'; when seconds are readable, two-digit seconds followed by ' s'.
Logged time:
5 h 00 min
